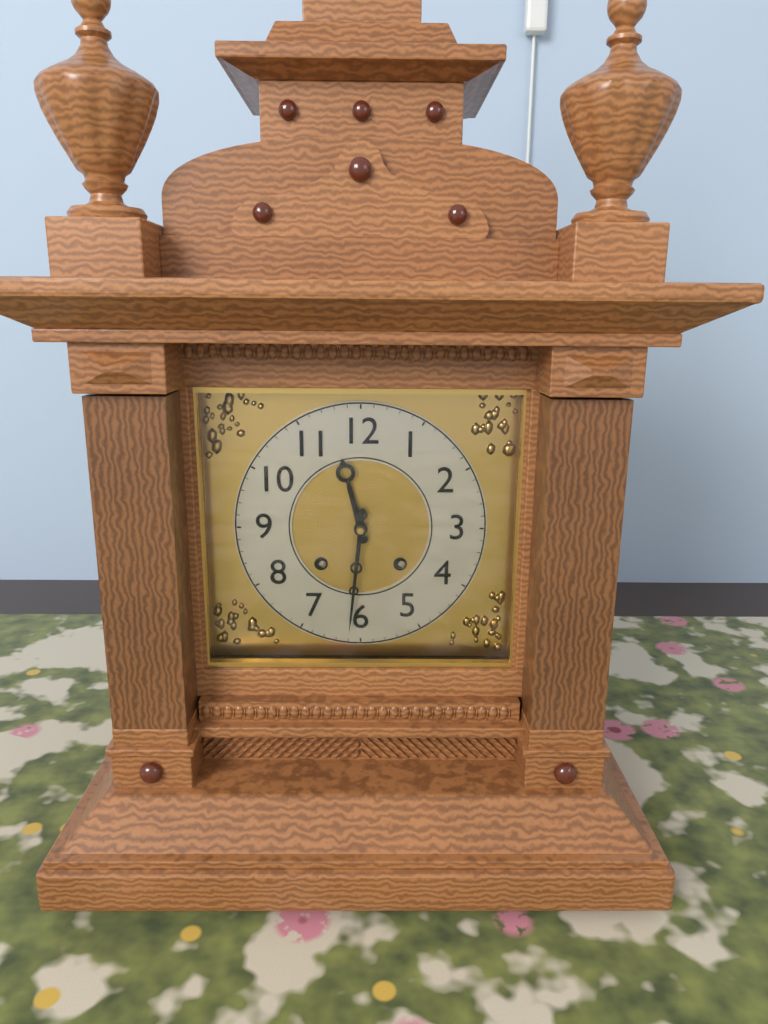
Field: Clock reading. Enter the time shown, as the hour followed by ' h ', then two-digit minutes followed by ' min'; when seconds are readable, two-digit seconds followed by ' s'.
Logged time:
11 h 31 min
